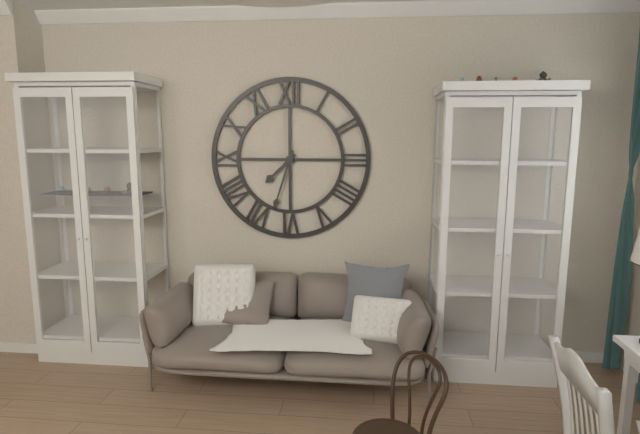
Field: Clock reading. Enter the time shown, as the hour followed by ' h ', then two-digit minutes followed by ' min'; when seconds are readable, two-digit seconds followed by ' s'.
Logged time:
7 h 33 min
